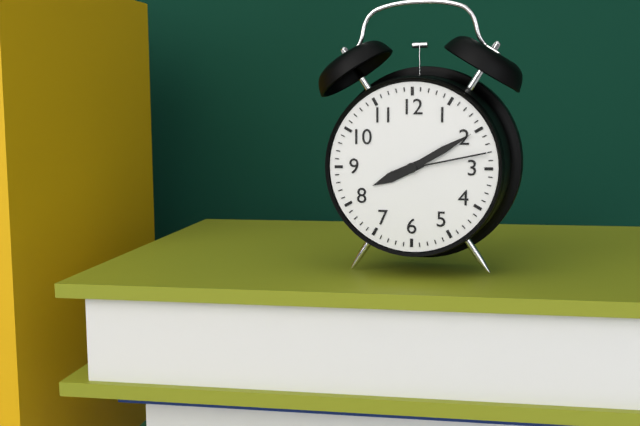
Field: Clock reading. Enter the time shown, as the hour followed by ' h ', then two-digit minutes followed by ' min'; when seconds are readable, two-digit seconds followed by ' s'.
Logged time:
8 h 10 min 13 s
